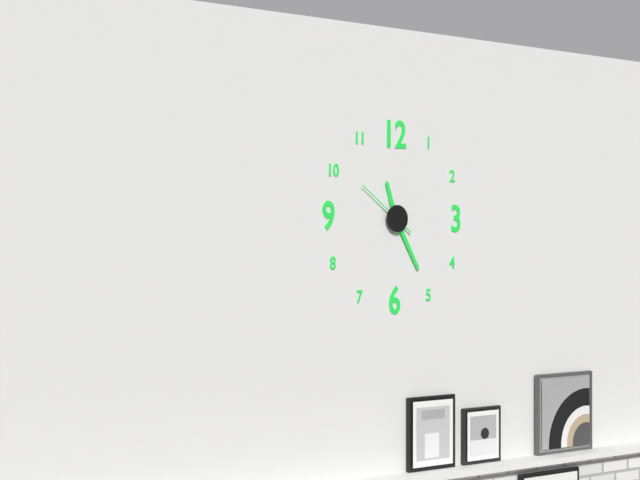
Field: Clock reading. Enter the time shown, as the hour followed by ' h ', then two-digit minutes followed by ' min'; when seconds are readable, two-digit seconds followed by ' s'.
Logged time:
11 h 25 min 51 s
